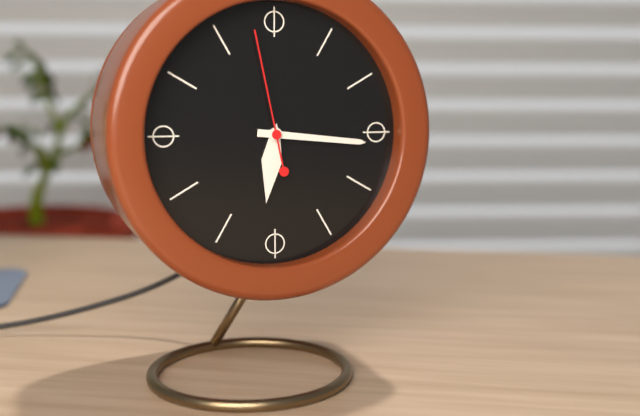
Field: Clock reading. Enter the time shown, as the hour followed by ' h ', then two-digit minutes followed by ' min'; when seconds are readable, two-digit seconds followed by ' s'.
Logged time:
6 h 16 min 58 s
